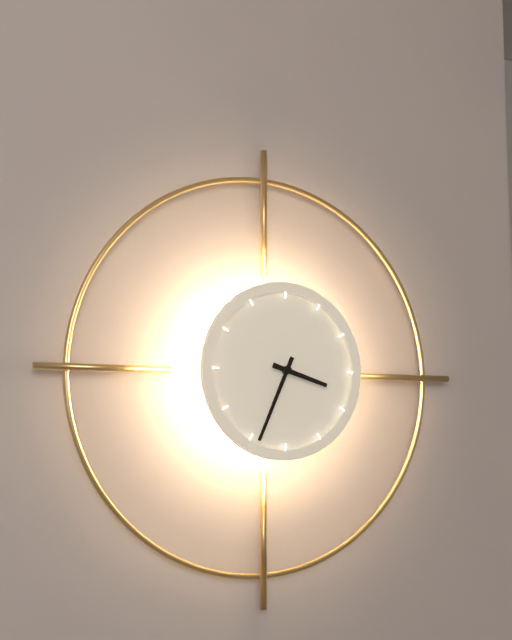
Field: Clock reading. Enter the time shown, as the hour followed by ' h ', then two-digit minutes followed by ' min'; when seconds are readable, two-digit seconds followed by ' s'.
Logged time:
3 h 34 min
